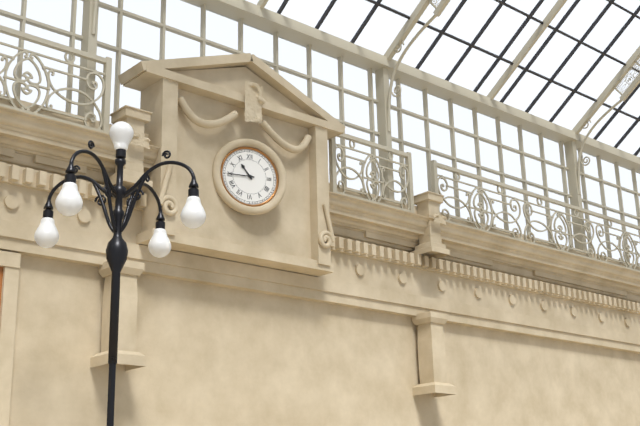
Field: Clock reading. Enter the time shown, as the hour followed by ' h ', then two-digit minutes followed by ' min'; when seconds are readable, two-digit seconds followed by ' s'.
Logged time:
10 h 45 min
